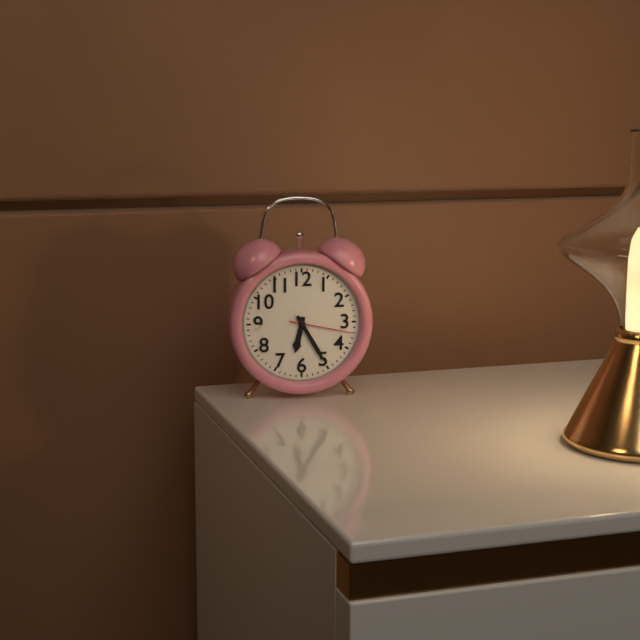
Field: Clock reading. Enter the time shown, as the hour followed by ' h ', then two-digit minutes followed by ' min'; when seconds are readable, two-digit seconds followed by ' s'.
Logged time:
6 h 25 min 17 s
